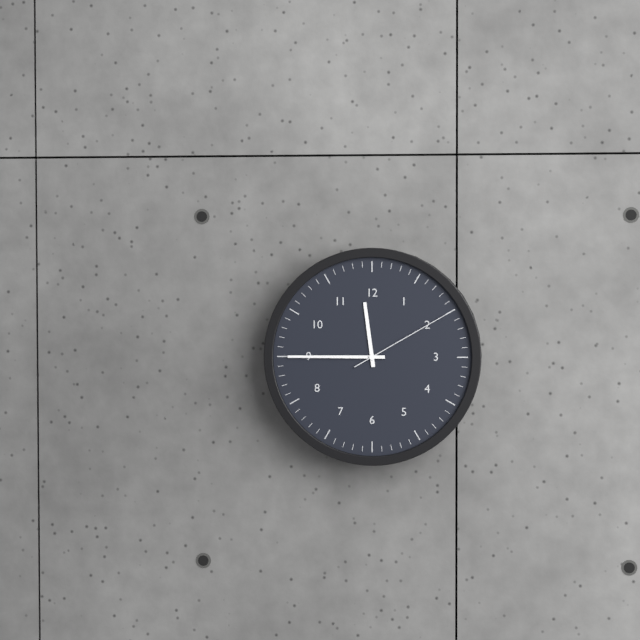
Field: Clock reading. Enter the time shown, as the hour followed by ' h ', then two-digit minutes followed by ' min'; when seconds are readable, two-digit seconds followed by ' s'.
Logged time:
11 h 45 min 10 s
